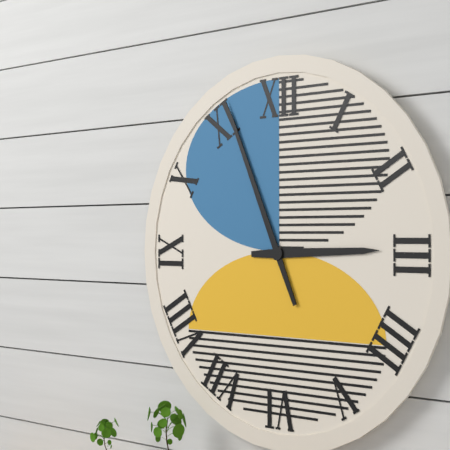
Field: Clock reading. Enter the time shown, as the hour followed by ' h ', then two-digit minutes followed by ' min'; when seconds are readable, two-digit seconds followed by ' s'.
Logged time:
2 h 56 min
